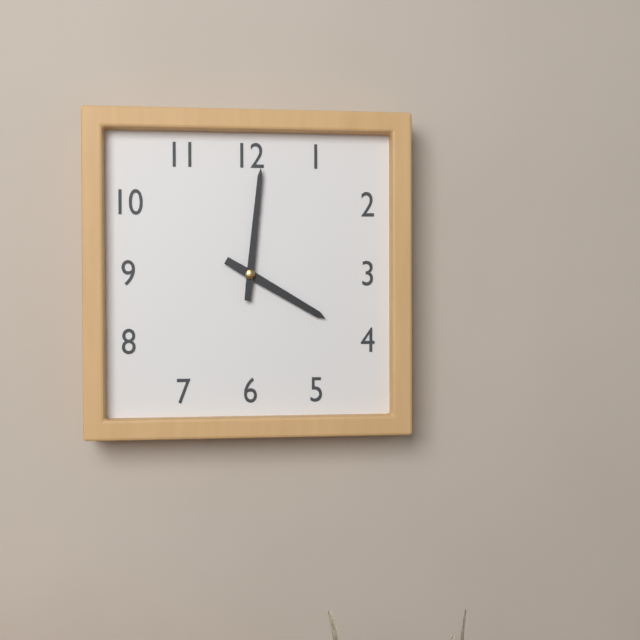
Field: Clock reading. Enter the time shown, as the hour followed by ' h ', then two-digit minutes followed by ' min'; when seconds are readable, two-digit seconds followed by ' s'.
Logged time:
4 h 01 min
